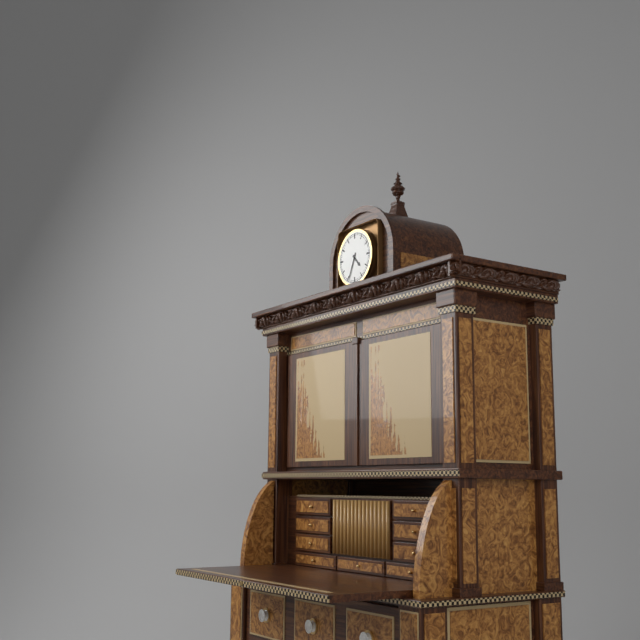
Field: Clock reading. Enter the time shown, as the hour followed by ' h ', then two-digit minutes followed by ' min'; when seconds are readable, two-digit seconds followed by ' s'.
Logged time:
4 h 34 min
